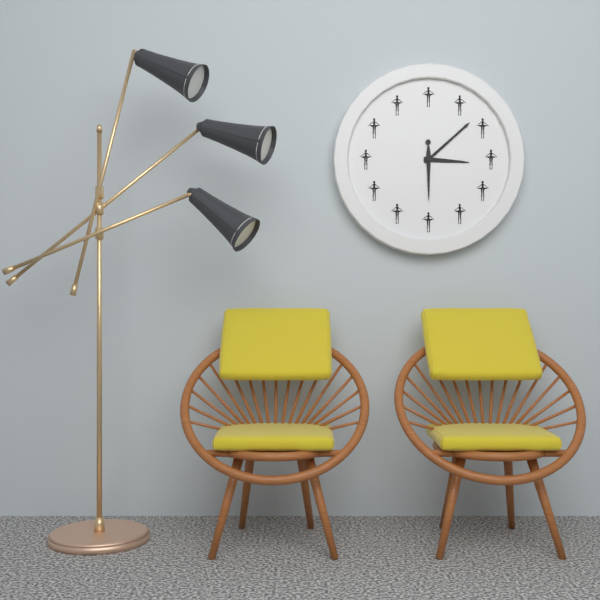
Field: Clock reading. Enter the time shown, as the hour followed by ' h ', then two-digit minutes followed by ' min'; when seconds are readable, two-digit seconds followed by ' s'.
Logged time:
3 h 08 min
